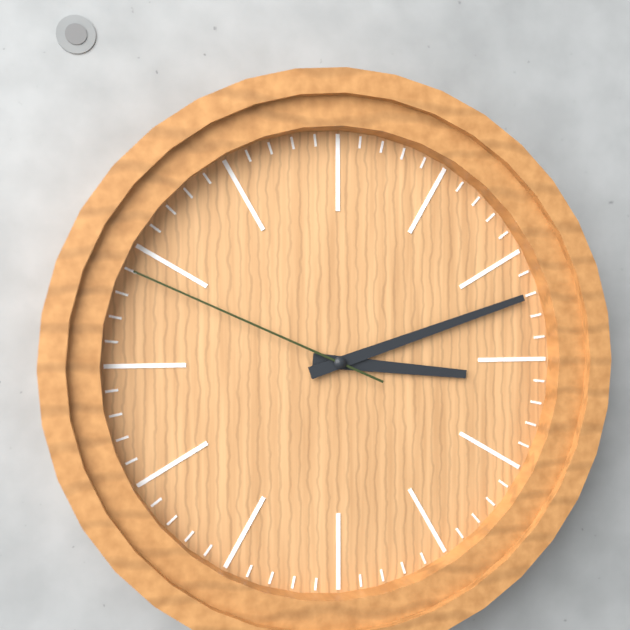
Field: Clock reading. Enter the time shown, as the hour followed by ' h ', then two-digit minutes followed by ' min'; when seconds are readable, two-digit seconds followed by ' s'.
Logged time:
3 h 12 min 49 s
